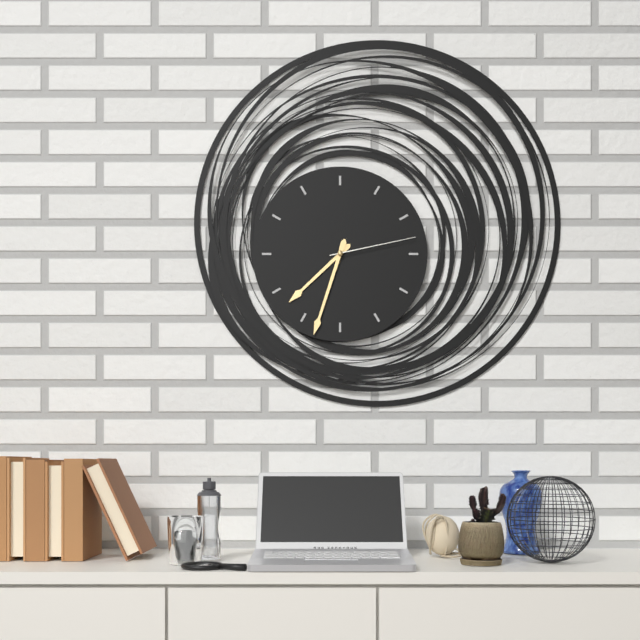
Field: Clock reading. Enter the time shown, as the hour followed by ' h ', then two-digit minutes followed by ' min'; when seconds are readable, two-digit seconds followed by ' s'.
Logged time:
7 h 33 min 13 s
